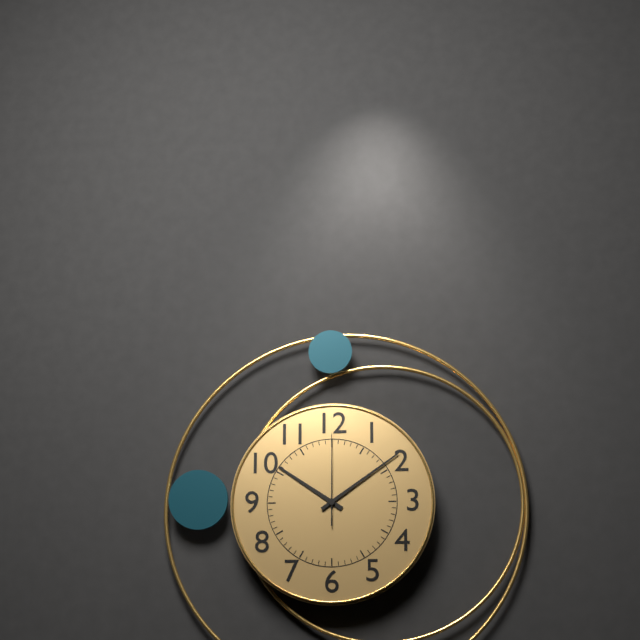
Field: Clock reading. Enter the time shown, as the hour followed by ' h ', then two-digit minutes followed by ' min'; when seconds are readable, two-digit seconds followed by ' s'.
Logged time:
10 h 09 min 00 s
